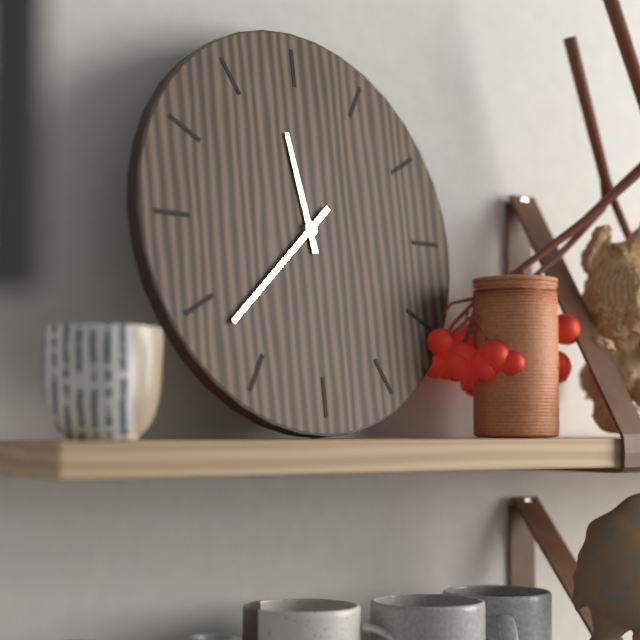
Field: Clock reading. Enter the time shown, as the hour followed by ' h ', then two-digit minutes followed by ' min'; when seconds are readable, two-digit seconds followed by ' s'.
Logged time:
11 h 38 min
